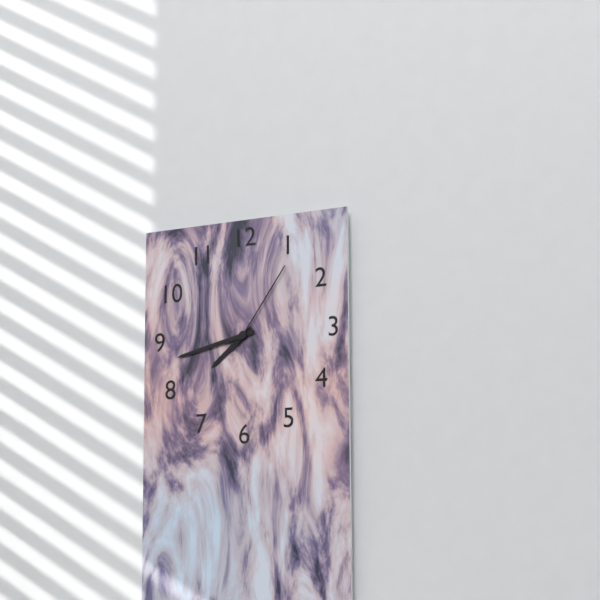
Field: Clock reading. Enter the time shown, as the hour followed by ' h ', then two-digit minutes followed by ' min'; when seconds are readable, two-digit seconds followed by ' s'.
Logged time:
7 h 43 min 06 s
